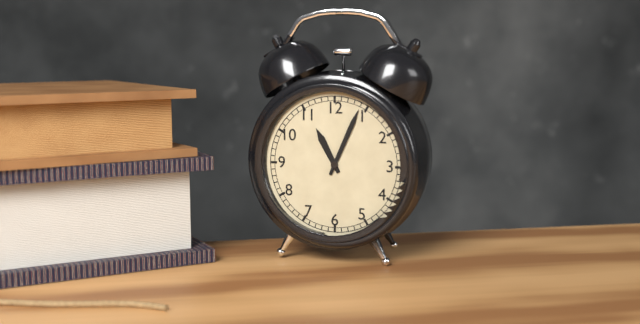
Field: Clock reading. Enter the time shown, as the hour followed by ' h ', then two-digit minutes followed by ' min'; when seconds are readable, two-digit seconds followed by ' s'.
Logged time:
11 h 04 min
